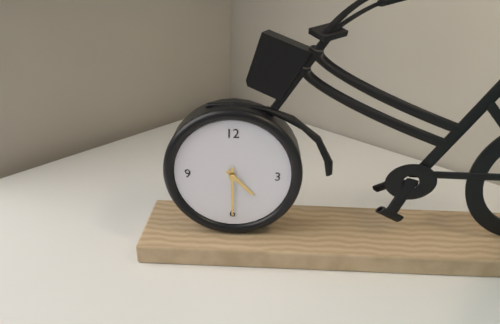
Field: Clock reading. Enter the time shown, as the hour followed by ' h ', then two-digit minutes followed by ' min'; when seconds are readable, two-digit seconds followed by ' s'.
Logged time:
4 h 30 min
